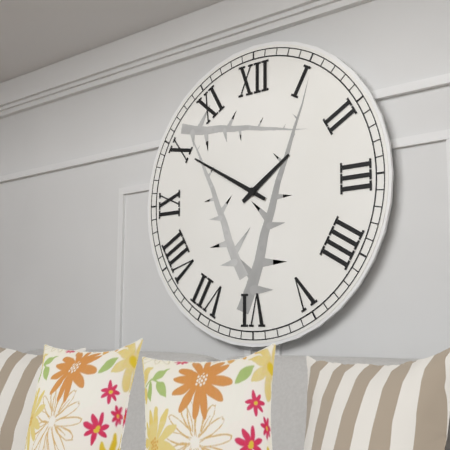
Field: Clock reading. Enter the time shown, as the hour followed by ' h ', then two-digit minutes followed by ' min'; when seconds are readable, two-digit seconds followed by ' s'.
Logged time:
1 h 50 min
